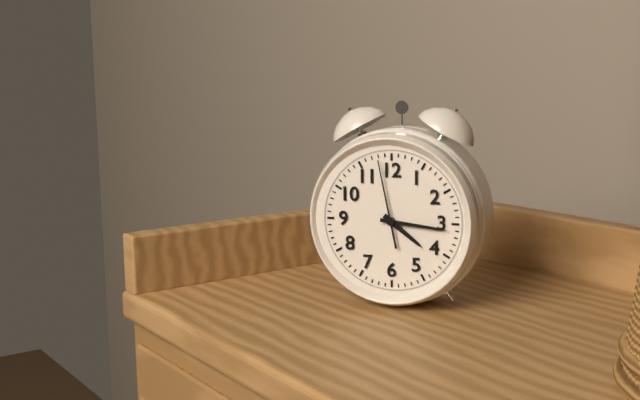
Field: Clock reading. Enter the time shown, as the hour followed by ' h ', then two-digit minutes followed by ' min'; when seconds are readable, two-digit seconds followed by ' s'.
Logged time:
4 h 16 min 58 s
